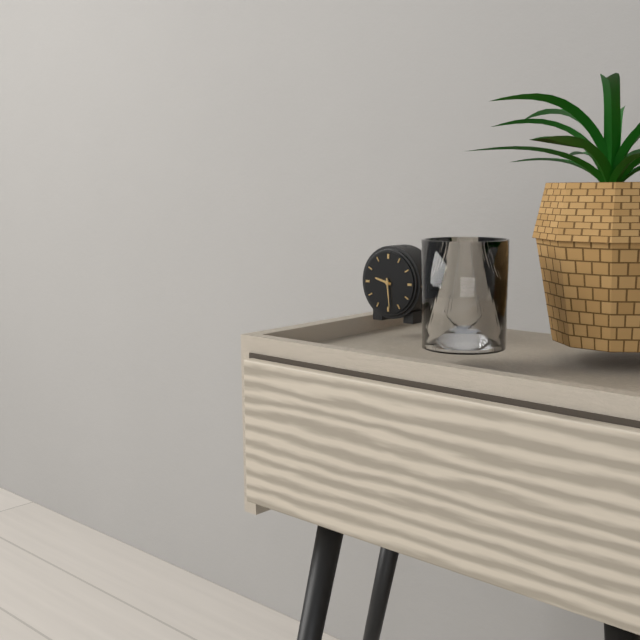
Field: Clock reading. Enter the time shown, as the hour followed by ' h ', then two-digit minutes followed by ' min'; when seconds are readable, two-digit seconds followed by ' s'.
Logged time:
9 h 29 min
